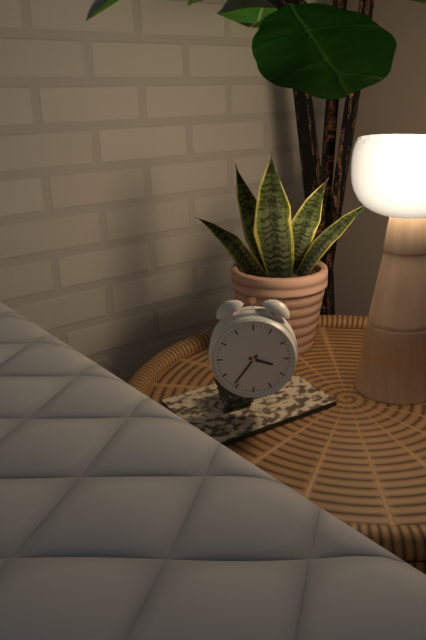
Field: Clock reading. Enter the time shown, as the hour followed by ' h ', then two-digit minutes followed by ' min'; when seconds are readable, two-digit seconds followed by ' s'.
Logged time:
3 h 36 min
